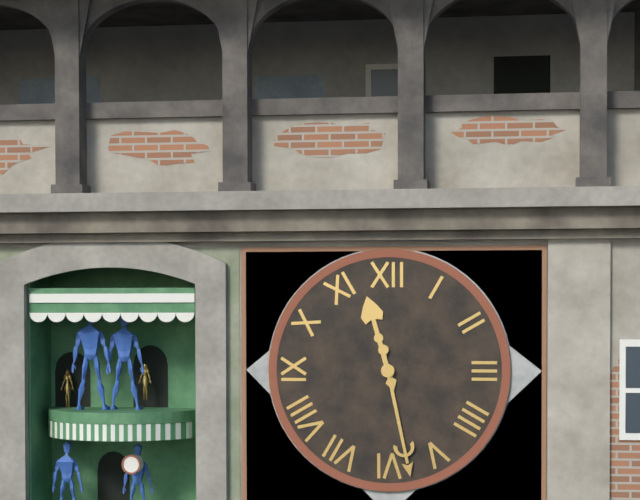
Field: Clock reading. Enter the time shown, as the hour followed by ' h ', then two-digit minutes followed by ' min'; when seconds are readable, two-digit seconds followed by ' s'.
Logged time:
11 h 28 min
